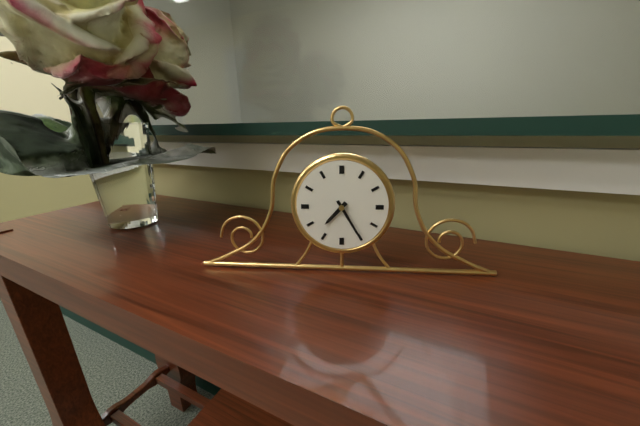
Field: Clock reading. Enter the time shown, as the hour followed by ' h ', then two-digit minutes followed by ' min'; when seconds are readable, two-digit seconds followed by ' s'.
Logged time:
7 h 25 min
